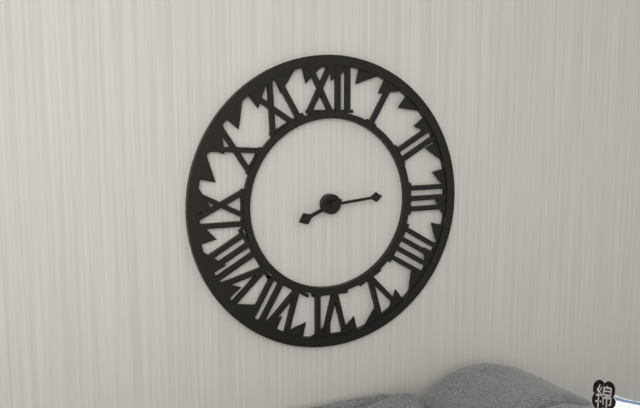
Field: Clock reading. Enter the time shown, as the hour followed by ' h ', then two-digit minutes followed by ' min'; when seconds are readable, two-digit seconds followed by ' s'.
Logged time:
8 h 14 min
